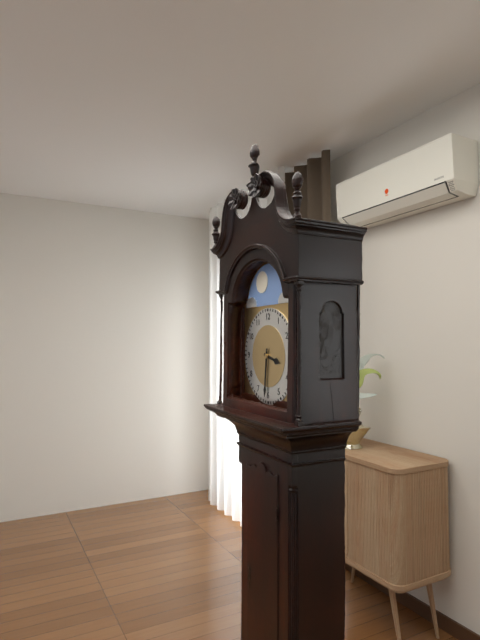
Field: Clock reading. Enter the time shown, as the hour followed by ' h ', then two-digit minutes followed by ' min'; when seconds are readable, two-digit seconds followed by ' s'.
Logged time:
3 h 31 min
